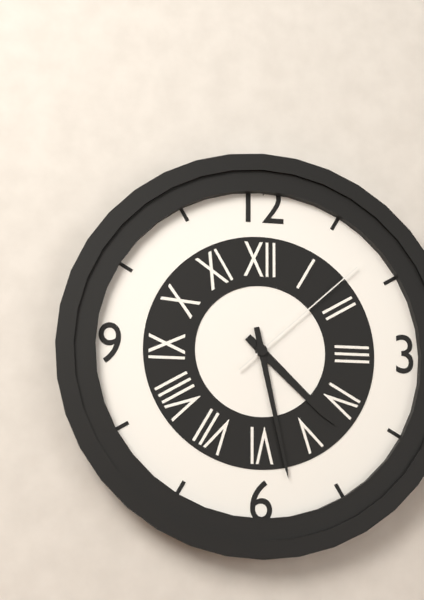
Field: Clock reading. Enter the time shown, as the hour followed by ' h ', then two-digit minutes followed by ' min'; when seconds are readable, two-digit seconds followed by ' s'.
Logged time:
4 h 28 min 08 s
